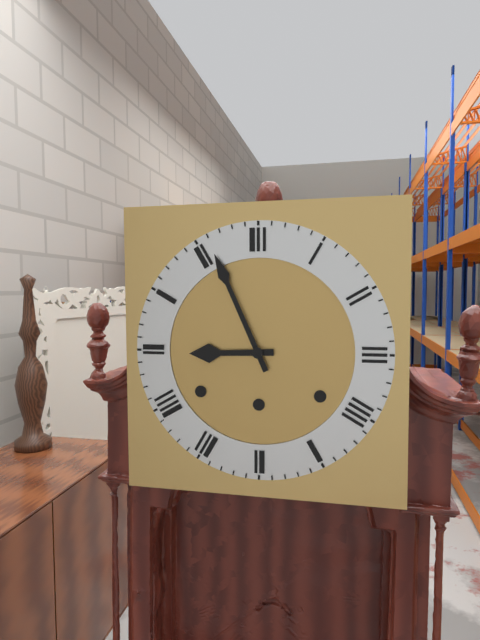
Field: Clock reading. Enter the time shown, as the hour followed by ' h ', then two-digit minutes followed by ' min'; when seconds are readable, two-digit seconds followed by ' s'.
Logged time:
8 h 56 min
